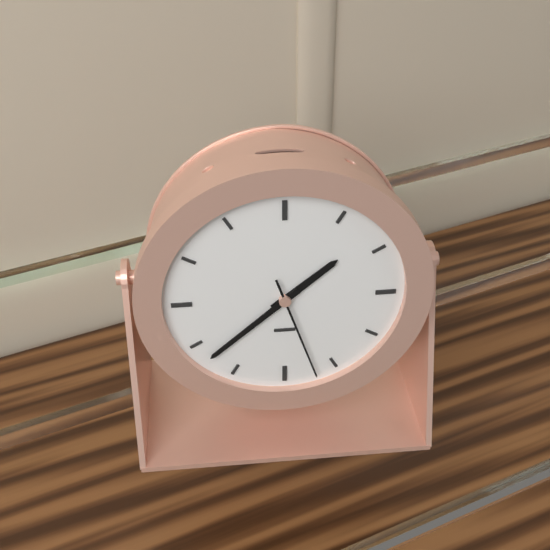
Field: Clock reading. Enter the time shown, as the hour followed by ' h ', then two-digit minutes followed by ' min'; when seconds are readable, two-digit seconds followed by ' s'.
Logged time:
1 h 38 min 27 s
